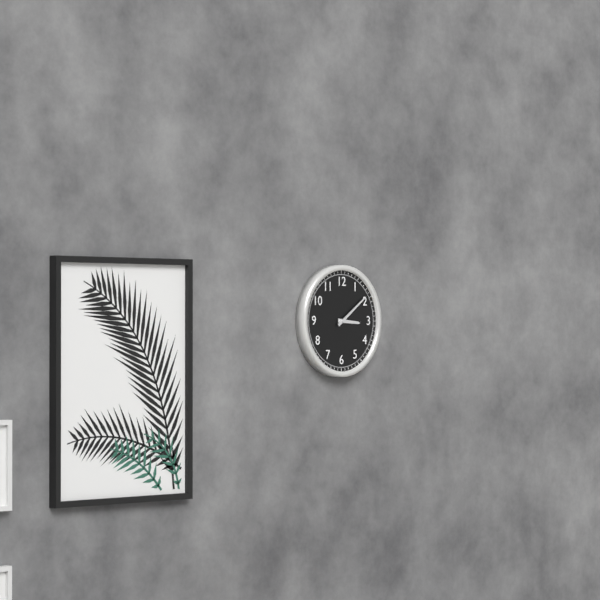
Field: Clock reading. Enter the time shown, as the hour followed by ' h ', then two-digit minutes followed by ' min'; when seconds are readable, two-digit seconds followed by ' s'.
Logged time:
3 h 09 min
